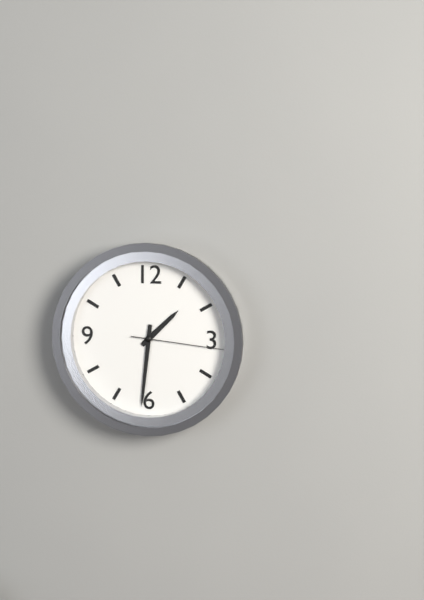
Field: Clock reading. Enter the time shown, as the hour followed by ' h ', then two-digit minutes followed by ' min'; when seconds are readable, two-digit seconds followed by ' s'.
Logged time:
1 h 31 min 16 s
